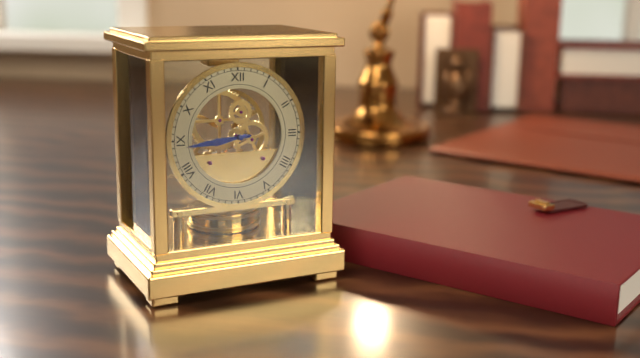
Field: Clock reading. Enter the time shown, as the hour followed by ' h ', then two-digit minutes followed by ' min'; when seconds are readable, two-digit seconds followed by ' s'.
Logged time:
8 h 44 min
